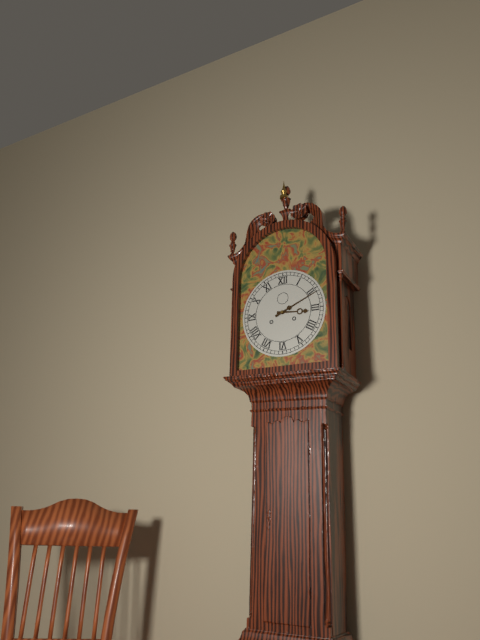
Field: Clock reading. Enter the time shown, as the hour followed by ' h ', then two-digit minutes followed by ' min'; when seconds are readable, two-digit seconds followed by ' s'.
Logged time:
3 h 11 min
